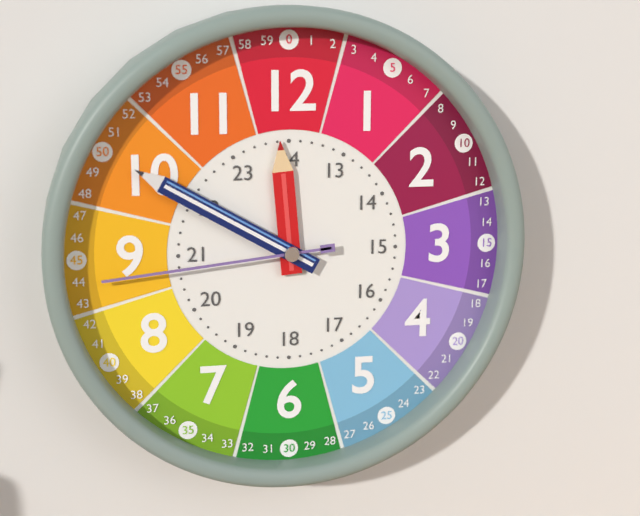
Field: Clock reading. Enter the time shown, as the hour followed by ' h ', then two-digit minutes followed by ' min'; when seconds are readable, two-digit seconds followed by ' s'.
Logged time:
11 h 50 min 44 s
